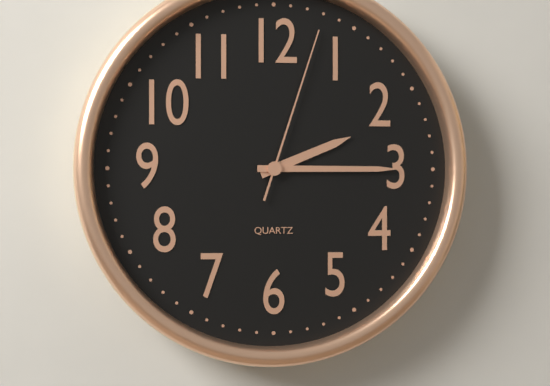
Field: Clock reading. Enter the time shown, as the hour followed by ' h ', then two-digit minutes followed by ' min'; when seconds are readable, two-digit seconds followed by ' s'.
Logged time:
2 h 15 min 03 s
